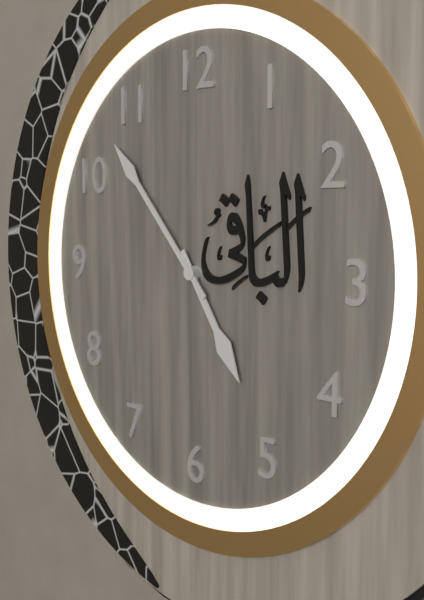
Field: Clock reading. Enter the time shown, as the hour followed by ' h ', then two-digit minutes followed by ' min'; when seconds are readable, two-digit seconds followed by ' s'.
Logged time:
4 h 53 min
